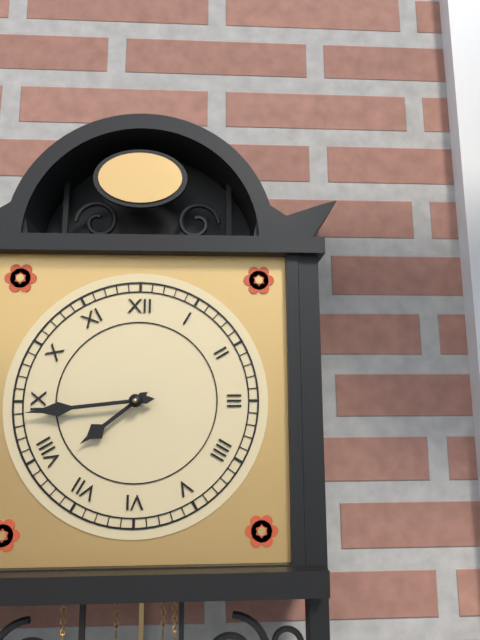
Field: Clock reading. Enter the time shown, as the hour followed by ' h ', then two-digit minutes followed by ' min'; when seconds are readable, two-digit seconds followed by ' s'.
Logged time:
7 h 44 min
